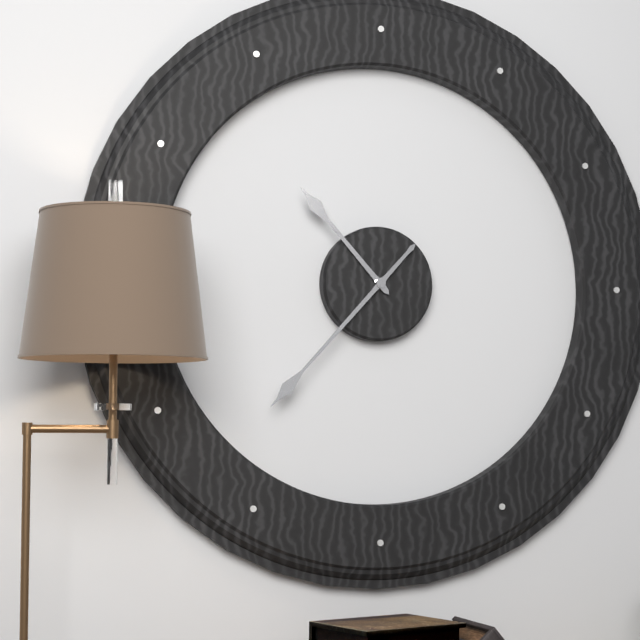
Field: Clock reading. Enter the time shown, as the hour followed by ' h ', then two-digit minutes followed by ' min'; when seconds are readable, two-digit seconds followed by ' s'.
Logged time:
10 h 37 min
